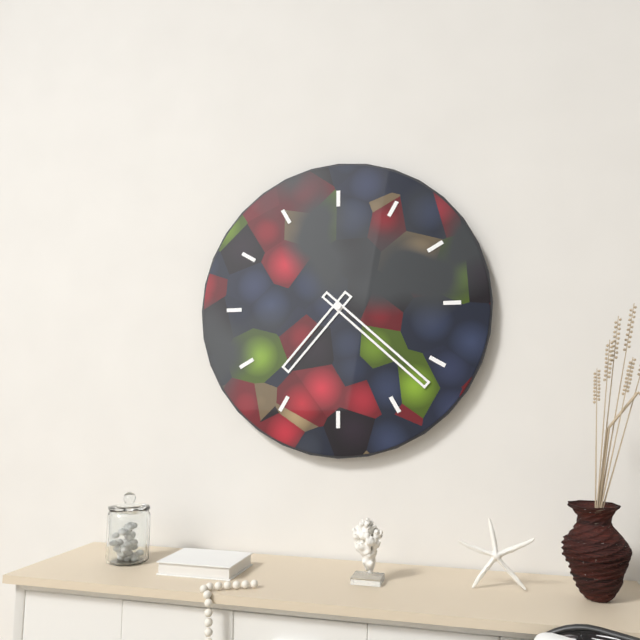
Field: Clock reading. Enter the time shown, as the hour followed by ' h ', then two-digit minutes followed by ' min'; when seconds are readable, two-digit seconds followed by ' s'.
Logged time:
7 h 22 min
